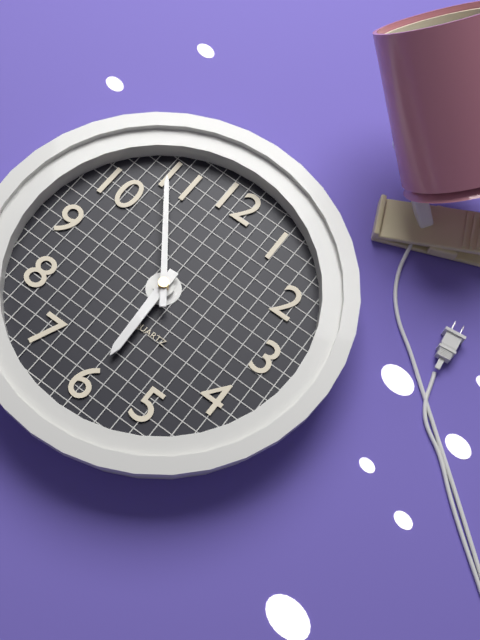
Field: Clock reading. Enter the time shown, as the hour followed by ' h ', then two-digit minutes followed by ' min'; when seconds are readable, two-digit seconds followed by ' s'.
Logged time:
5 h 54 min
